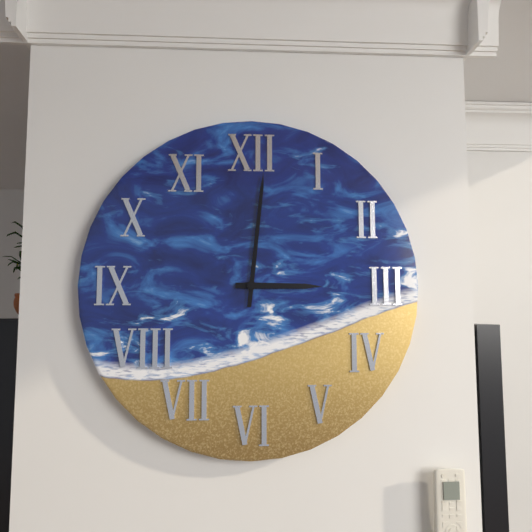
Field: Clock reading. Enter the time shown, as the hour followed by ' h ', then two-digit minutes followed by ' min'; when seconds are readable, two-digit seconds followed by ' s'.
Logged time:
3 h 01 min
